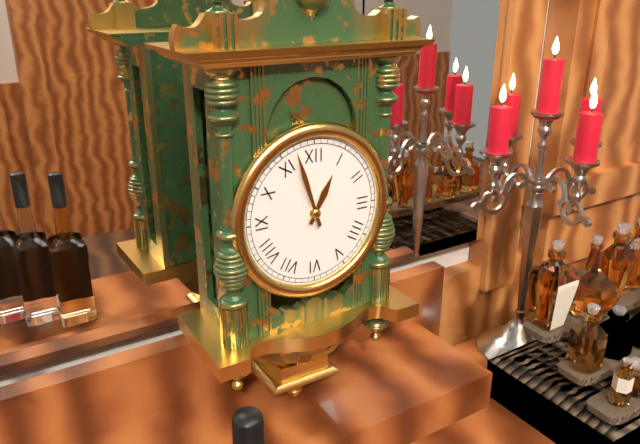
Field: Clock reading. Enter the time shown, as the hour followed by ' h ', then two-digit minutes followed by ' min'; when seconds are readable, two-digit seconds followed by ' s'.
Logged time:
12 h 57 min
